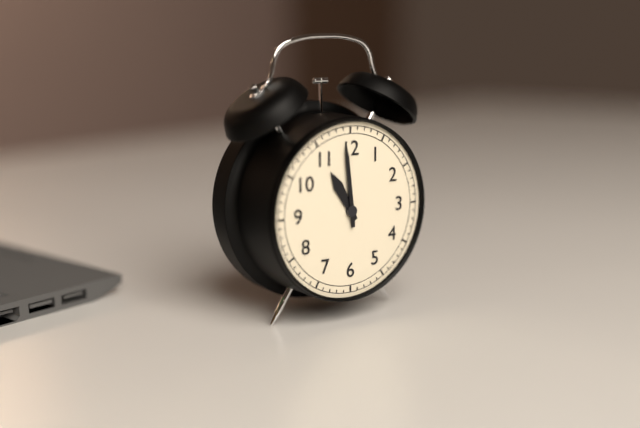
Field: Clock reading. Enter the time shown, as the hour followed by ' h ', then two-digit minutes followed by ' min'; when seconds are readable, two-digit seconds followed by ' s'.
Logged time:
10 h 59 min
